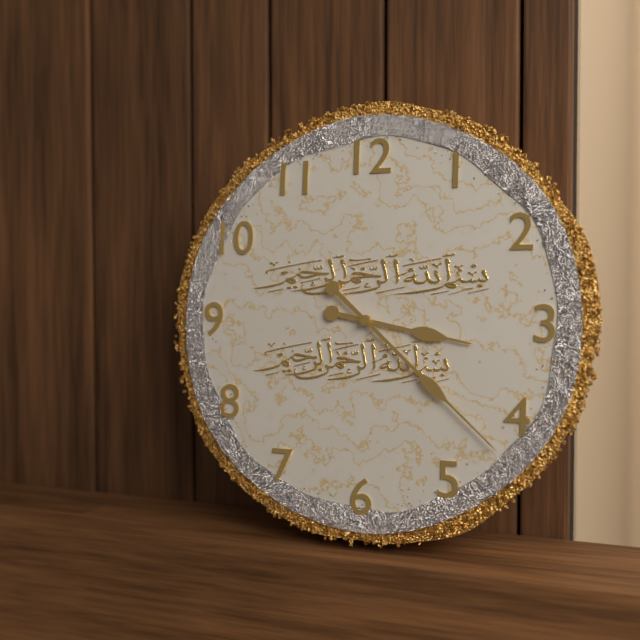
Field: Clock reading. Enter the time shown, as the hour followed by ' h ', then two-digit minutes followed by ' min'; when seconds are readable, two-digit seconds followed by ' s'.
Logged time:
3 h 22 min
